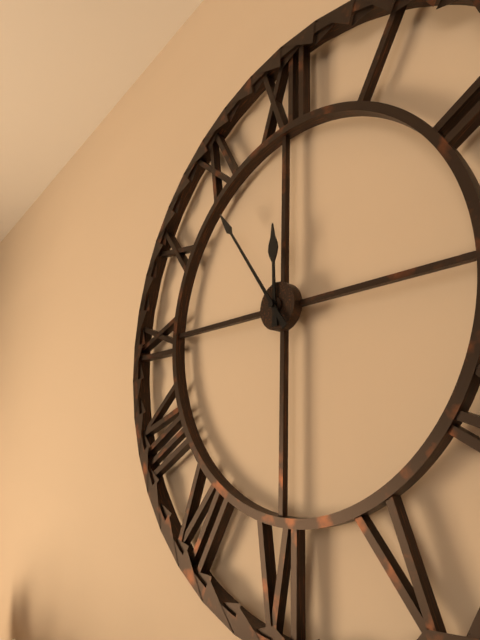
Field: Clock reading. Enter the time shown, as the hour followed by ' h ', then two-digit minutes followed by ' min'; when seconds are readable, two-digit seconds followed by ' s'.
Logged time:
11 h 54 min
